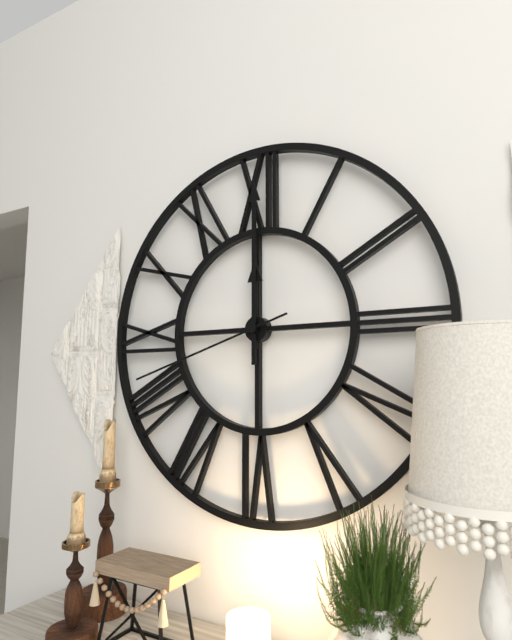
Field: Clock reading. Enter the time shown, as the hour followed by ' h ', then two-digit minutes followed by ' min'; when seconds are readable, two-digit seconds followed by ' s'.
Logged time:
12 h 00 min 42 s
